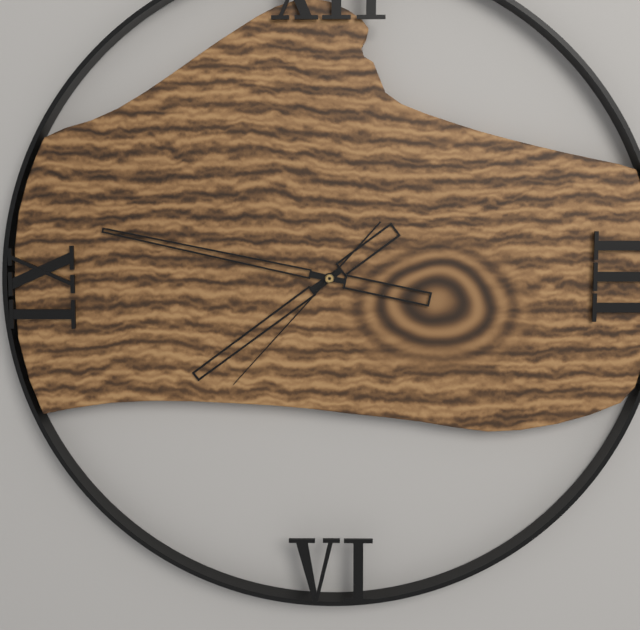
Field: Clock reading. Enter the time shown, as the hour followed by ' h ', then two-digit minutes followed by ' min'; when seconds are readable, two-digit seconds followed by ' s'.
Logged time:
7 h 47 min 37 s
